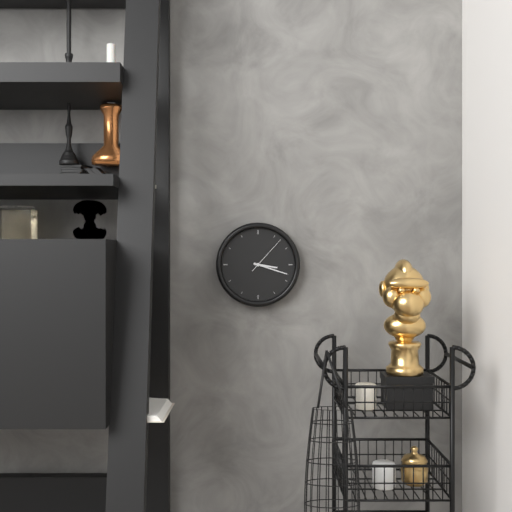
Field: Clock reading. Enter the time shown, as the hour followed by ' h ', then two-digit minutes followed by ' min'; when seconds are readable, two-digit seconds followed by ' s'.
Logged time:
3 h 18 min
